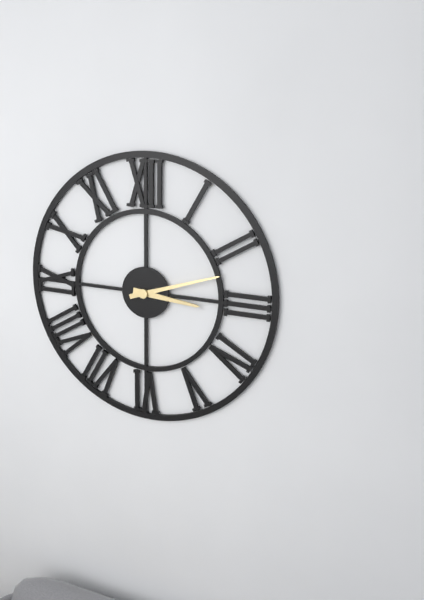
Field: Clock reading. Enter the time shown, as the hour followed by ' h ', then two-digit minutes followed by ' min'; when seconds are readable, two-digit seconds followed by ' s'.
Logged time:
3 h 12 min
